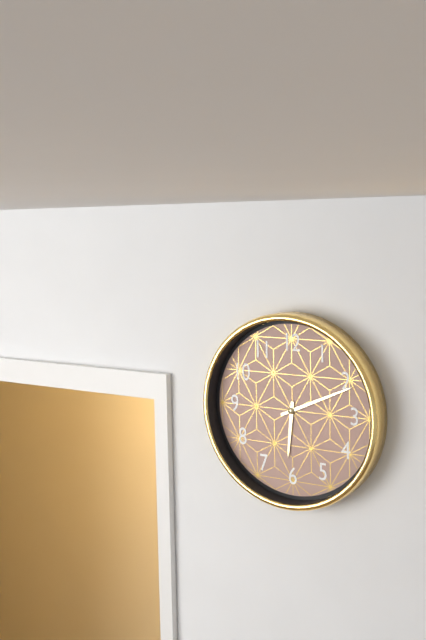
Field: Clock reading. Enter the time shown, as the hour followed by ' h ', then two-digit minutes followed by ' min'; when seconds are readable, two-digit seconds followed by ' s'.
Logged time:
6 h 11 min
